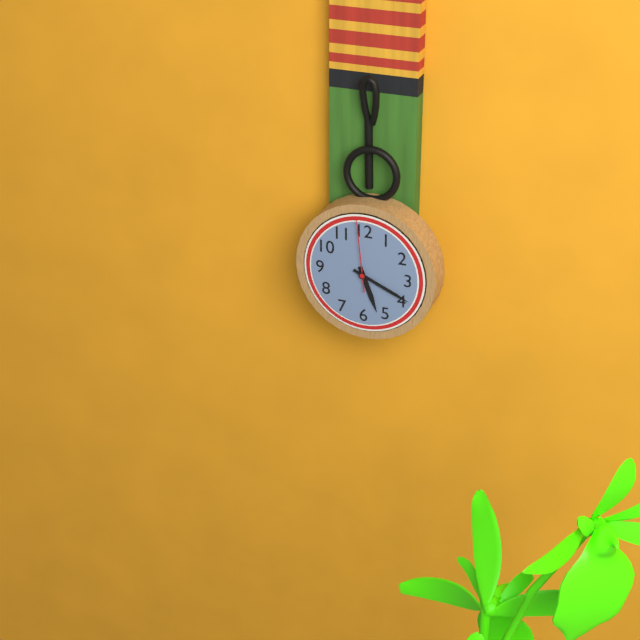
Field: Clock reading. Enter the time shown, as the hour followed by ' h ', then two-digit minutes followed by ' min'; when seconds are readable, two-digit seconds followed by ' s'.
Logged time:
5 h 19 min 59 s
